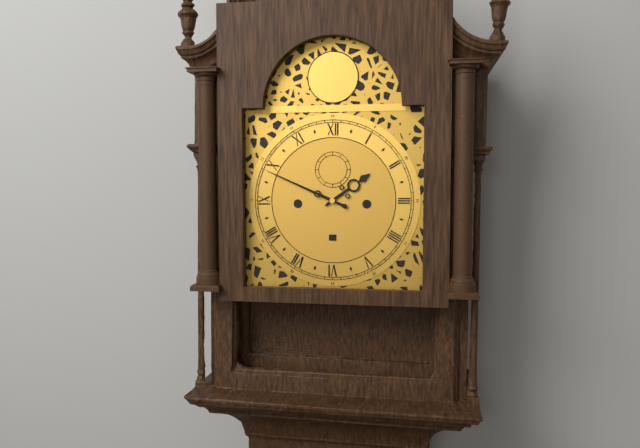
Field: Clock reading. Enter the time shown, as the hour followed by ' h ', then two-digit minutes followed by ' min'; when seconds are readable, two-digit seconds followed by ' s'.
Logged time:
1 h 49 min
